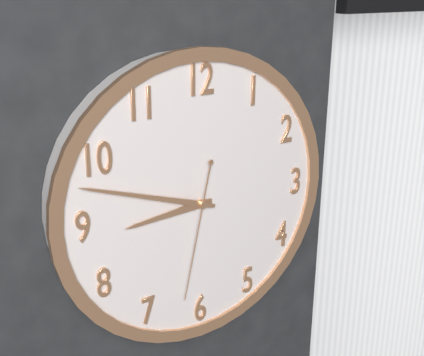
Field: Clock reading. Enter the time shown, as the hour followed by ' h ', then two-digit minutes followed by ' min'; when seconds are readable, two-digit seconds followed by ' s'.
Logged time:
8 h 48 min 32 s
